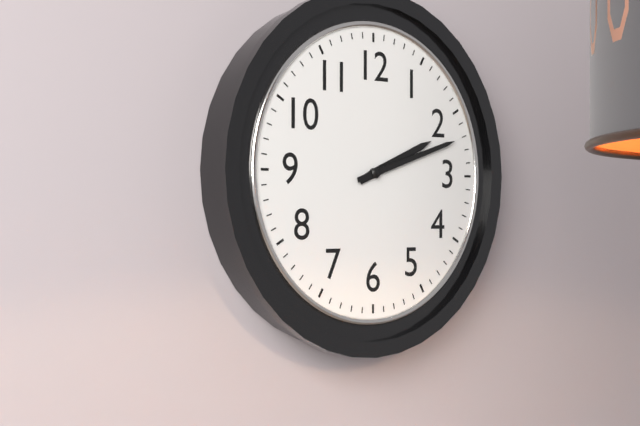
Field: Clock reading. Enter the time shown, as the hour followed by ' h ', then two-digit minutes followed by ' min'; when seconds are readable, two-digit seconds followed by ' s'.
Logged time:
2 h 12 min
